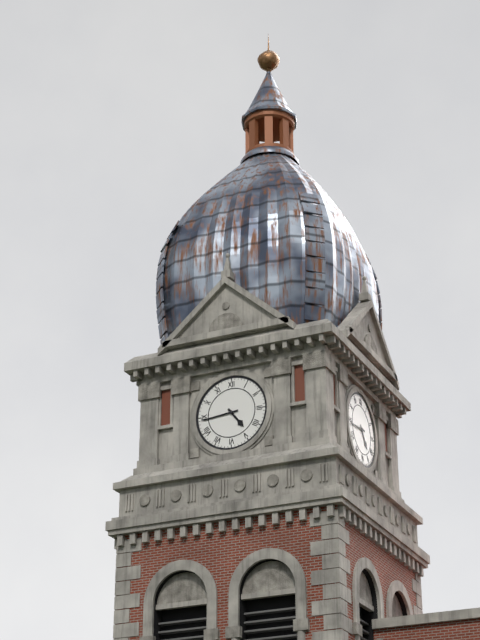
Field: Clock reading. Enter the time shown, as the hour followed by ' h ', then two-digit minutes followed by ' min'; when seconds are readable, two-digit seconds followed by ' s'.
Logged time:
4 h 44 min
